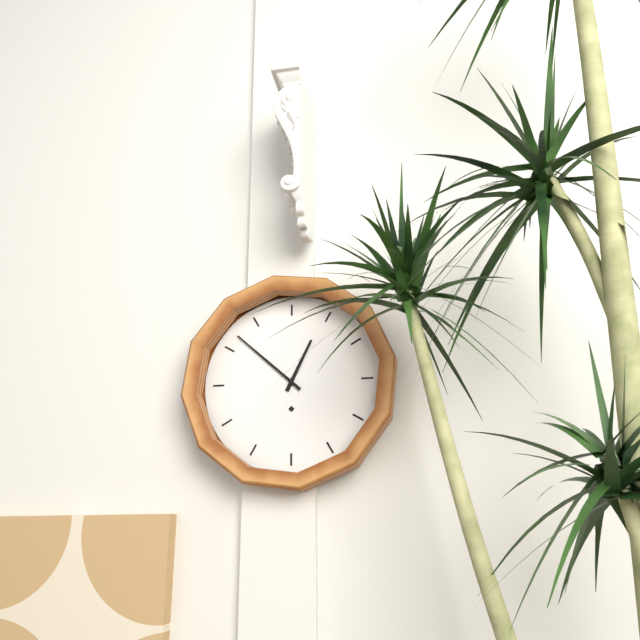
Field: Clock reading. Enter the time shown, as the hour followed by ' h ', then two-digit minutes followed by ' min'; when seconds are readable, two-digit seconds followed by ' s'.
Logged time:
12 h 52 min
